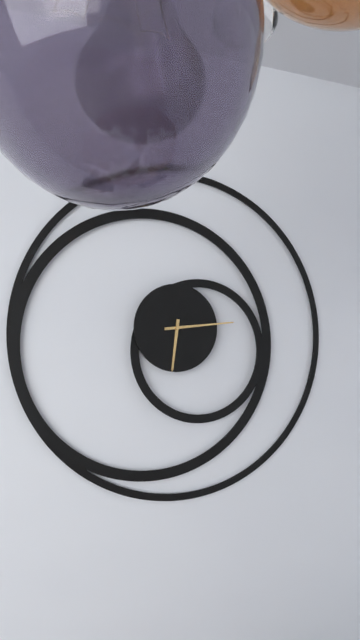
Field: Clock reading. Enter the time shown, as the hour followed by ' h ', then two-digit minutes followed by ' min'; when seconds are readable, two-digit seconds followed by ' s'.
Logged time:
6 h 14 min
